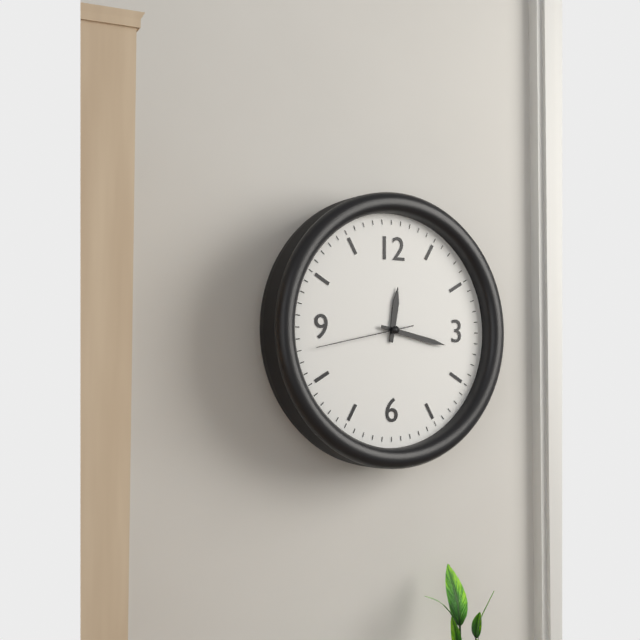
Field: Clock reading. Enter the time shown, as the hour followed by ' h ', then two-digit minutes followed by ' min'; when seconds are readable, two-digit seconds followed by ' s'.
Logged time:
12 h 17 min 43 s
